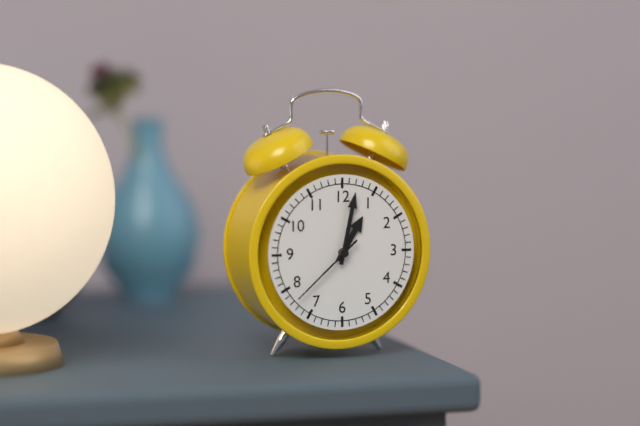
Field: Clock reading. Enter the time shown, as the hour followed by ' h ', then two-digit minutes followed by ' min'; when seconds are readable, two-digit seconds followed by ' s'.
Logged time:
1 h 02 min 38 s
